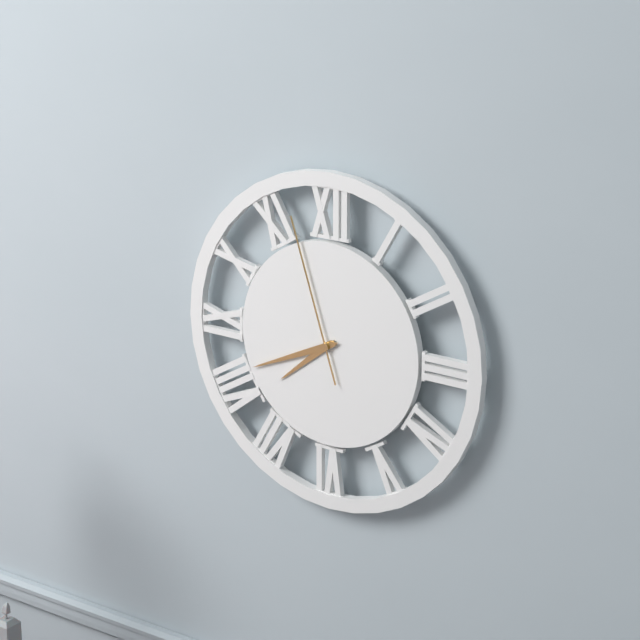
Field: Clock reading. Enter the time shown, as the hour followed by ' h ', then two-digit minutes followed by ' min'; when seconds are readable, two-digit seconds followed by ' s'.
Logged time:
7 h 41 min 57 s
